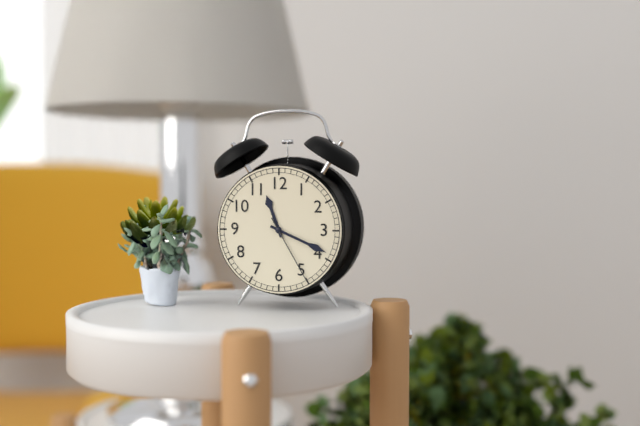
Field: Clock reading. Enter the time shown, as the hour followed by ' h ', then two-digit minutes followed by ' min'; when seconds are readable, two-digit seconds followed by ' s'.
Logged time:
11 h 19 min 25 s
